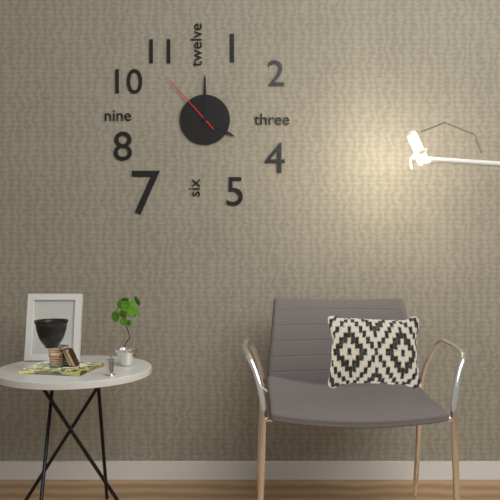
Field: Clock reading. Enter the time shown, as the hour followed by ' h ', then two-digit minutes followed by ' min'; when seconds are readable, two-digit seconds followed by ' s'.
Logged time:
4 h 00 min 53 s
